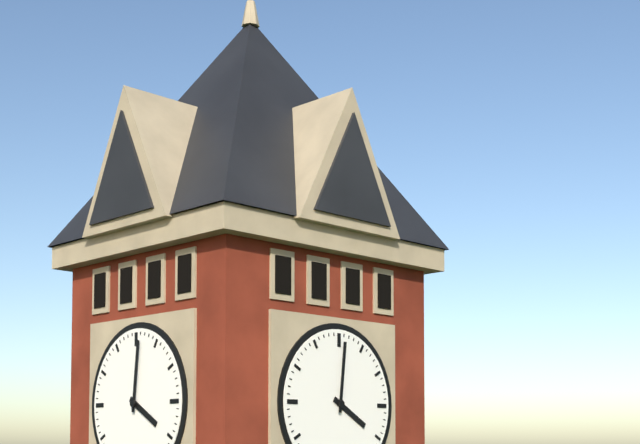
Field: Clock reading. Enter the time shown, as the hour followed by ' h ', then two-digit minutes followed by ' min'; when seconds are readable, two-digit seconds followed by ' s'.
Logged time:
4 h 01 min
